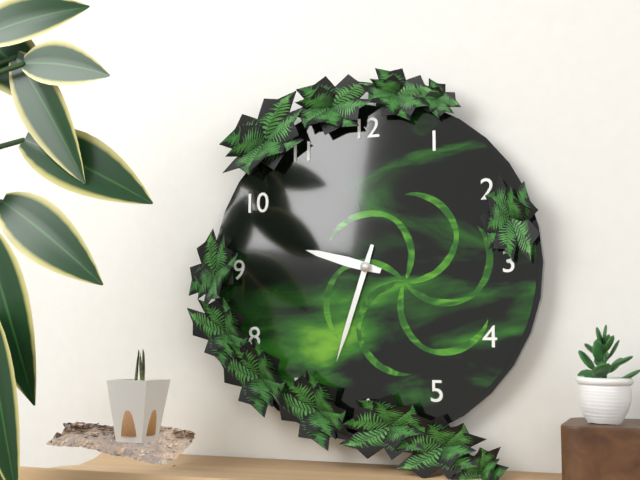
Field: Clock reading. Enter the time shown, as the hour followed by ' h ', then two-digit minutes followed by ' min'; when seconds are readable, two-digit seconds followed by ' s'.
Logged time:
9 h 33 min
